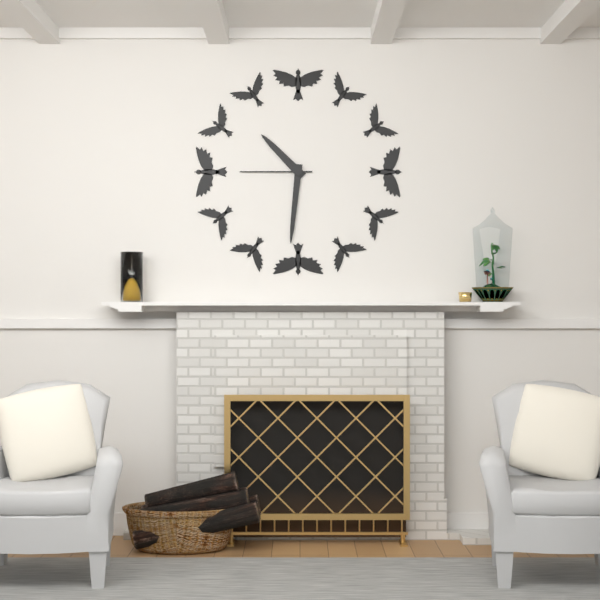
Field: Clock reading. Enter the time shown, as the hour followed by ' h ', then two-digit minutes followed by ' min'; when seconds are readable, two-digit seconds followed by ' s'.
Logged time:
10 h 31 min 45 s
